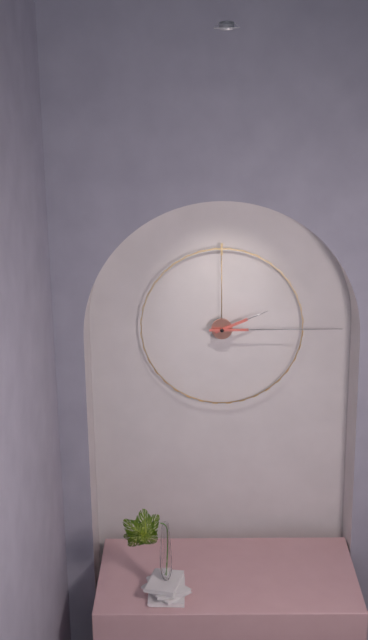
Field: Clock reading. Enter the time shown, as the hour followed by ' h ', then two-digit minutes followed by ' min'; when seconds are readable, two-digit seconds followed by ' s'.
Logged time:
2 h 15 min
